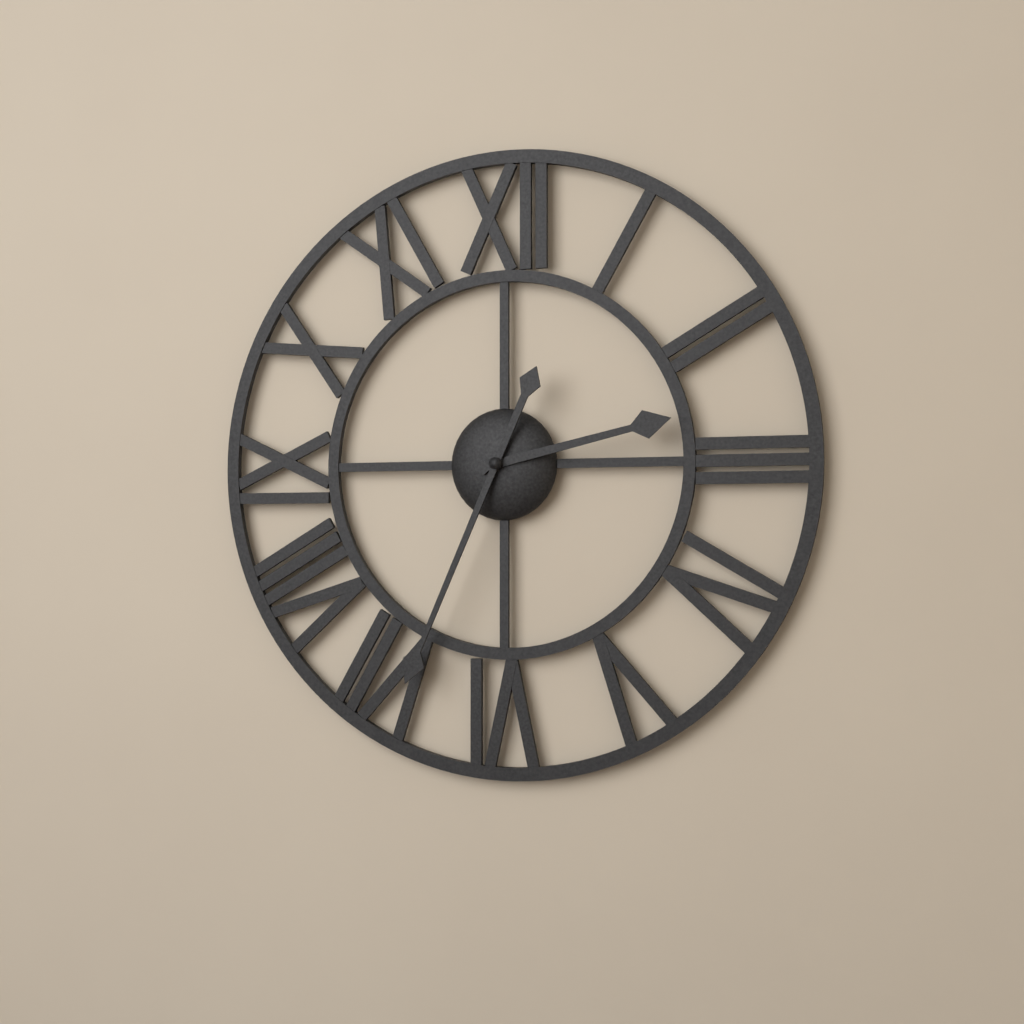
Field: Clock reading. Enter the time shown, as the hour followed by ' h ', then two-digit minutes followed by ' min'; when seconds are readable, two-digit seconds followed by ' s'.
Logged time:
2 h 34 min
